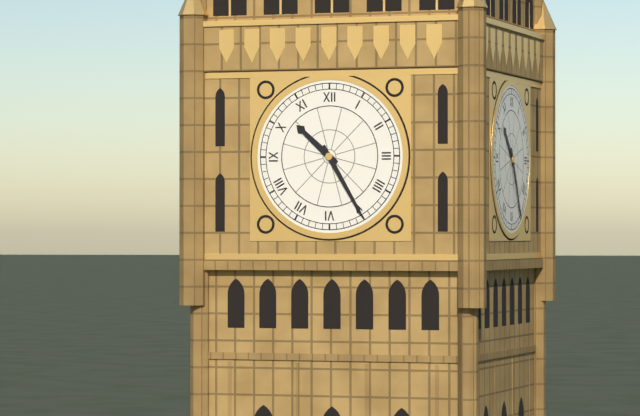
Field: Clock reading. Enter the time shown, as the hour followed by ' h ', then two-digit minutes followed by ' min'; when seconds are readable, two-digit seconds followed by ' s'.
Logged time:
10 h 25 min
